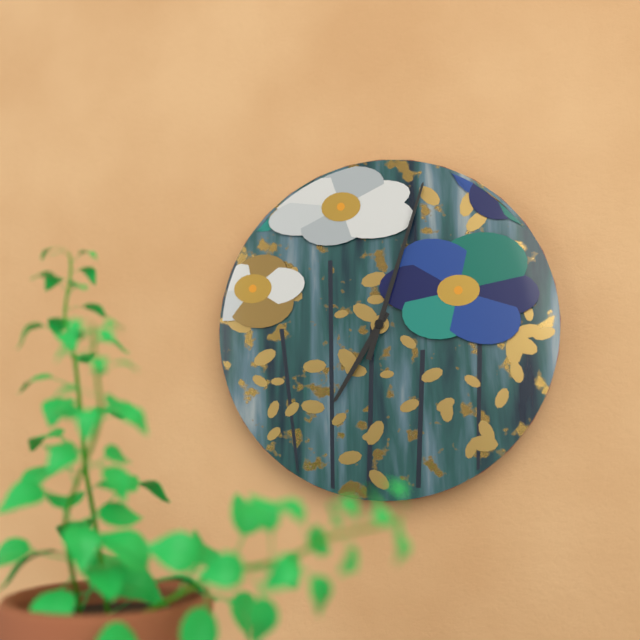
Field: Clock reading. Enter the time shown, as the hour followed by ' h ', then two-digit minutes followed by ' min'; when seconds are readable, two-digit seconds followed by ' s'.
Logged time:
7 h 03 min
